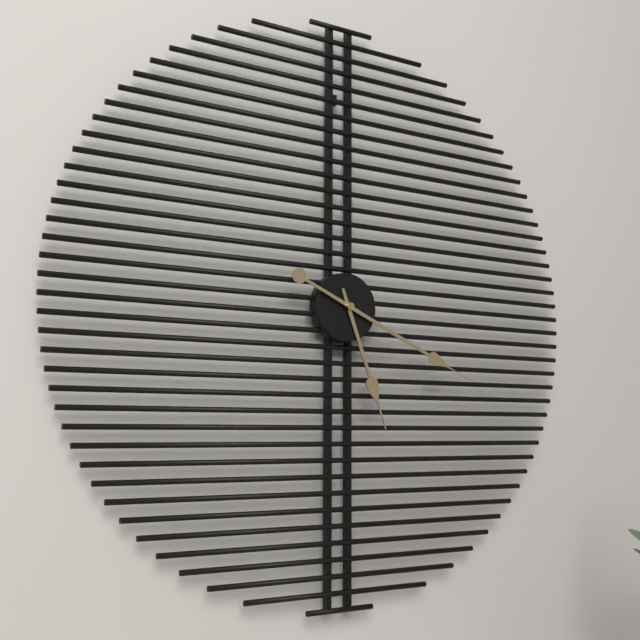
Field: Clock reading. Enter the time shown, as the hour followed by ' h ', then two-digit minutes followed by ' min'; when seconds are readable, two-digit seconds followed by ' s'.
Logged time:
5 h 19 min
